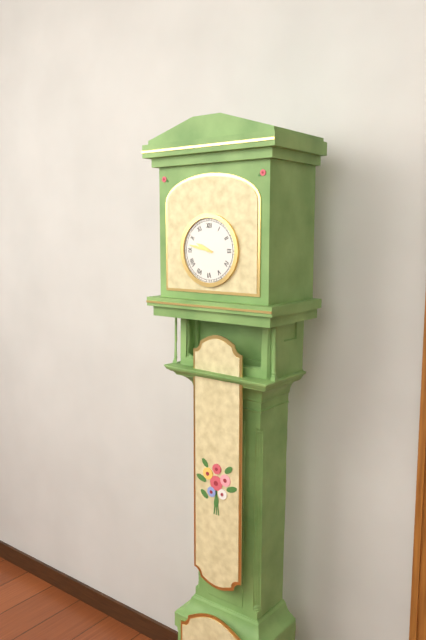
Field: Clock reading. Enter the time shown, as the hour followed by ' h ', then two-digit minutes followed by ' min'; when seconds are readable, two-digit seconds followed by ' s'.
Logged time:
9 h 47 min
